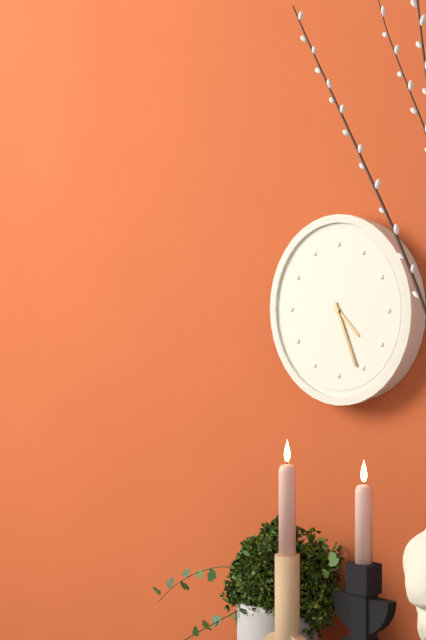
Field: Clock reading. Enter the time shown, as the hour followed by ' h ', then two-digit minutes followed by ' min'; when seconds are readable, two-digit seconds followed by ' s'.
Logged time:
4 h 26 min
